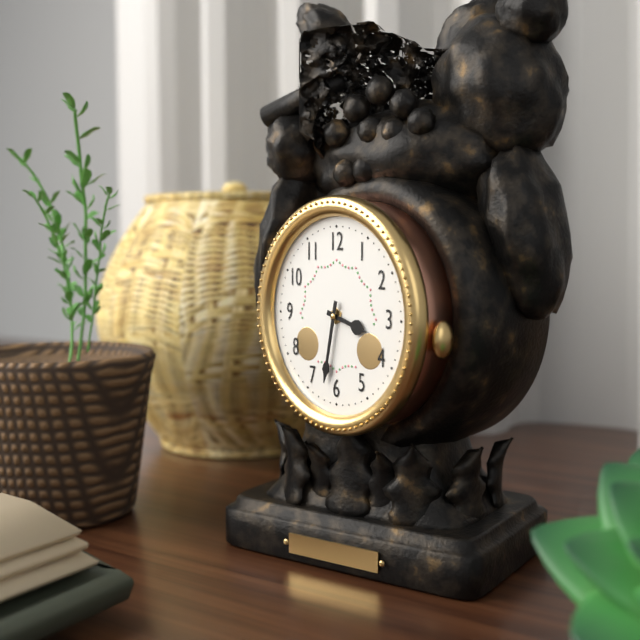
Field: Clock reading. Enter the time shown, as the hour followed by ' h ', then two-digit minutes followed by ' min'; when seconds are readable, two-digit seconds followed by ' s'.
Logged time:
3 h 32 min
